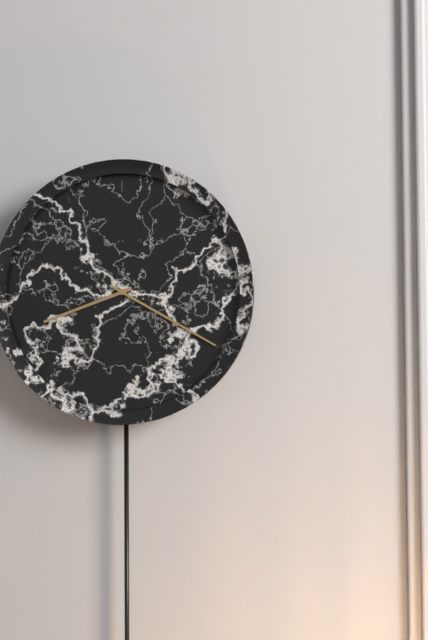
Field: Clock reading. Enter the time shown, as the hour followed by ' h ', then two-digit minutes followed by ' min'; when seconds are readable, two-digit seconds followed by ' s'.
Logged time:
8 h 20 min
